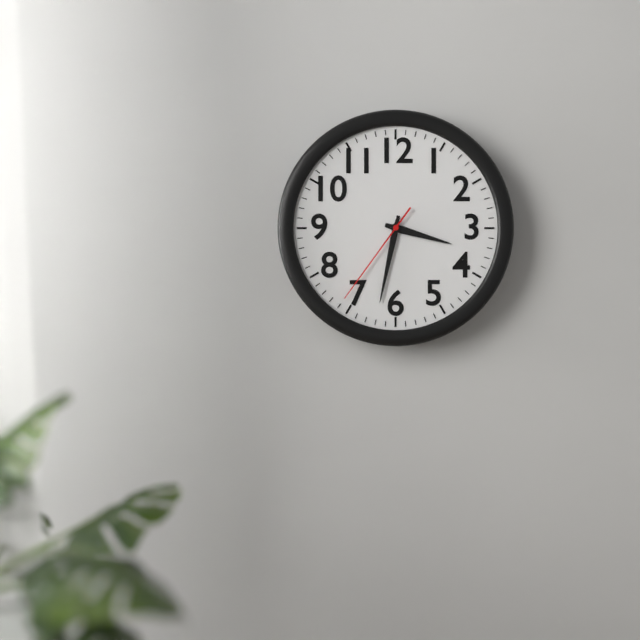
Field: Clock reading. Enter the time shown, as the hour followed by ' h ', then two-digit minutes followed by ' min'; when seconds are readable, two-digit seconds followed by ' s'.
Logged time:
3 h 32 min 36 s
